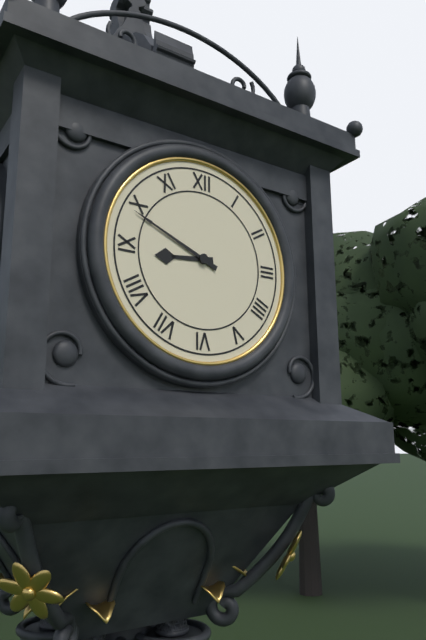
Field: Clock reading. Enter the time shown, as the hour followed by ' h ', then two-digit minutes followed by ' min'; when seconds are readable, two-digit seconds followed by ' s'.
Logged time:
8 h 49 min
